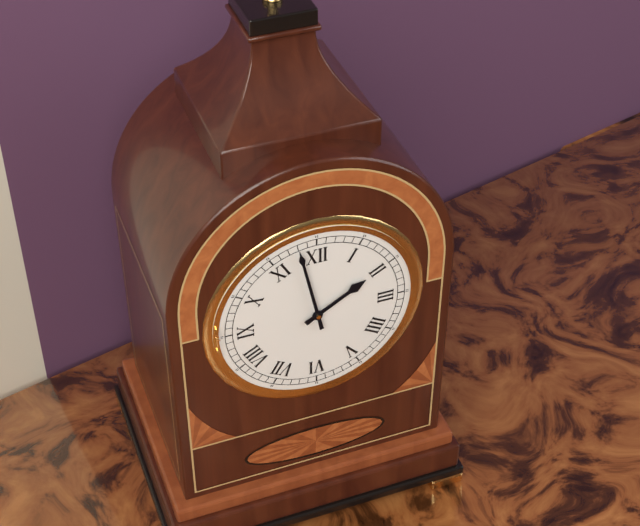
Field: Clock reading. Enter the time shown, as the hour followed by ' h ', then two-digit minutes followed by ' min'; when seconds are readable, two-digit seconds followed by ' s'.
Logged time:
1 h 58 min
